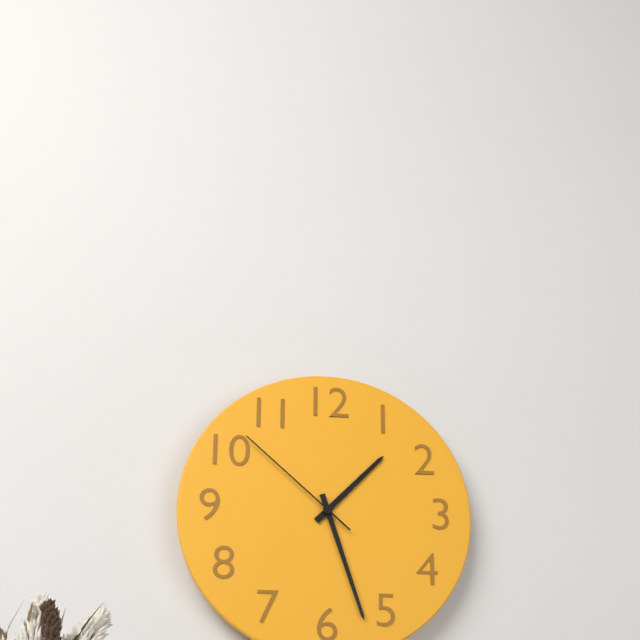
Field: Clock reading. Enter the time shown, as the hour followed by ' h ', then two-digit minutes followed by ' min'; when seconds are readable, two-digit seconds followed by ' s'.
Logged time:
1 h 27 min 52 s
